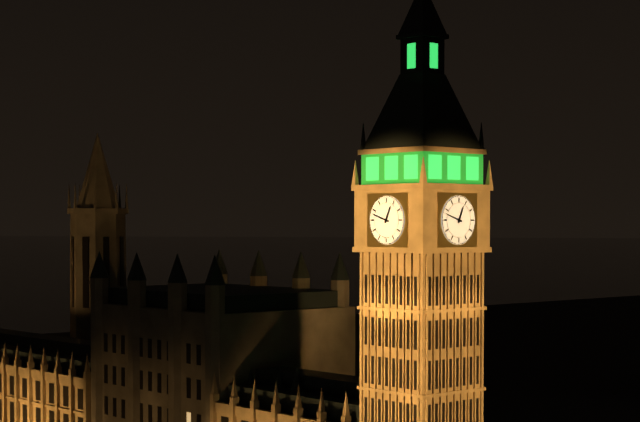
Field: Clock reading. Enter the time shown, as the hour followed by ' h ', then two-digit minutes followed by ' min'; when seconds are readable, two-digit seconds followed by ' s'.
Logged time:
12 h 48 min
